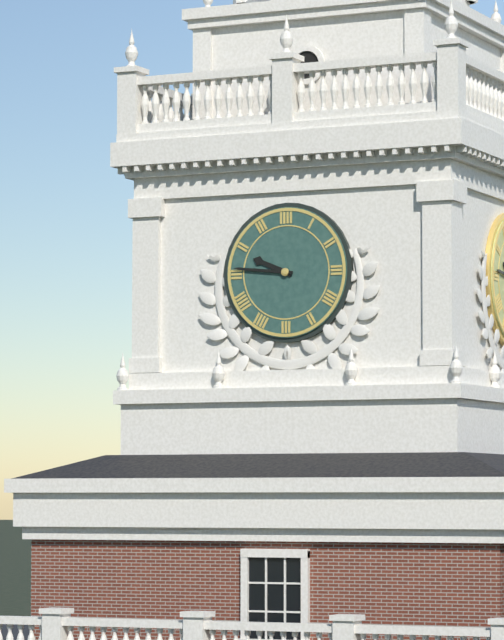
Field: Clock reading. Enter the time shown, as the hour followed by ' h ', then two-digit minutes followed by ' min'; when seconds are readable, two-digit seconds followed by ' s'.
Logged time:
9 h 46 min
